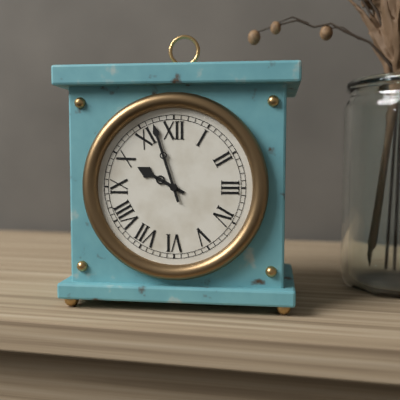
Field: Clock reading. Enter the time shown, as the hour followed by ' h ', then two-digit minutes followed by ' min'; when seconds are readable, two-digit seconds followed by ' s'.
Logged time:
9 h 57 min
